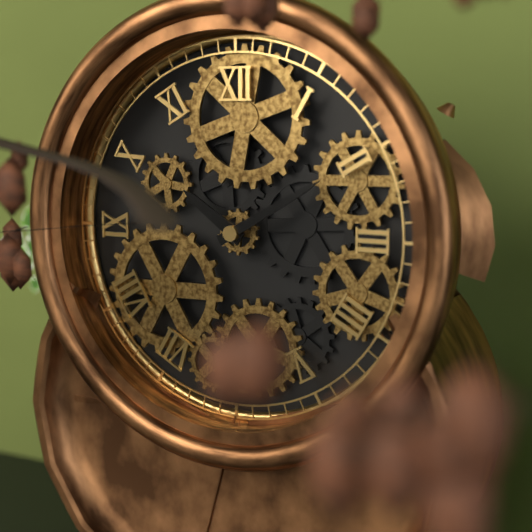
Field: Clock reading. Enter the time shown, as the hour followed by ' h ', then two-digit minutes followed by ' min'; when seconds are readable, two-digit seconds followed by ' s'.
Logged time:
10 h 10 min
